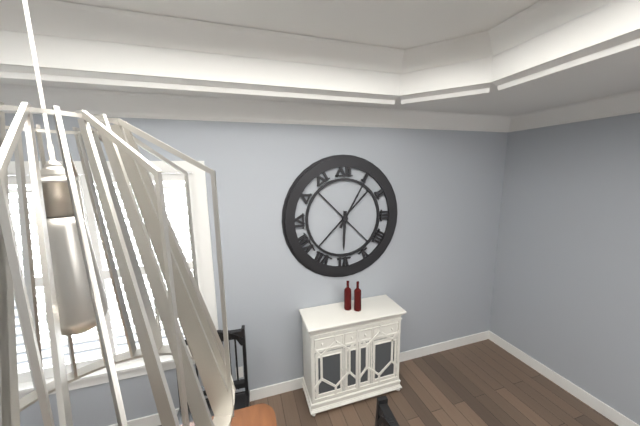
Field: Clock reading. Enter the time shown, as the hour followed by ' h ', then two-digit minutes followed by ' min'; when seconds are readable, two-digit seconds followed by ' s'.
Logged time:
6 h 05 min
